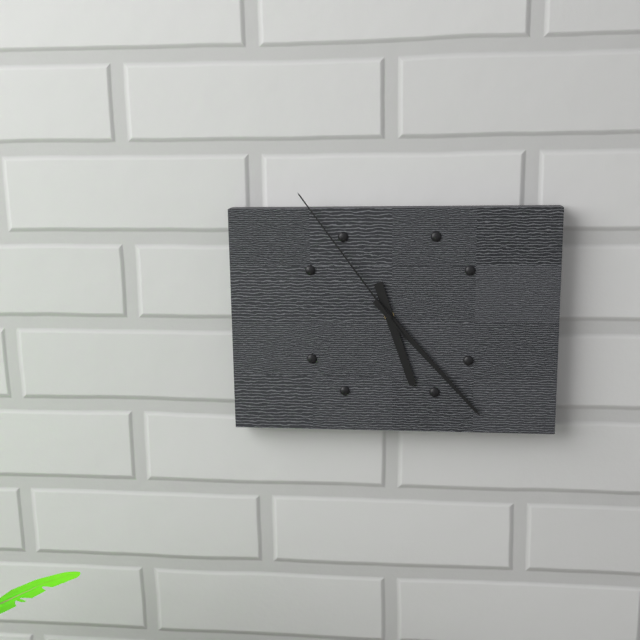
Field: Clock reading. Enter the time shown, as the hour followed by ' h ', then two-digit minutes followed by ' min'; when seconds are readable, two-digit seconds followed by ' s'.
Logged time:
5 h 23 min 54 s
